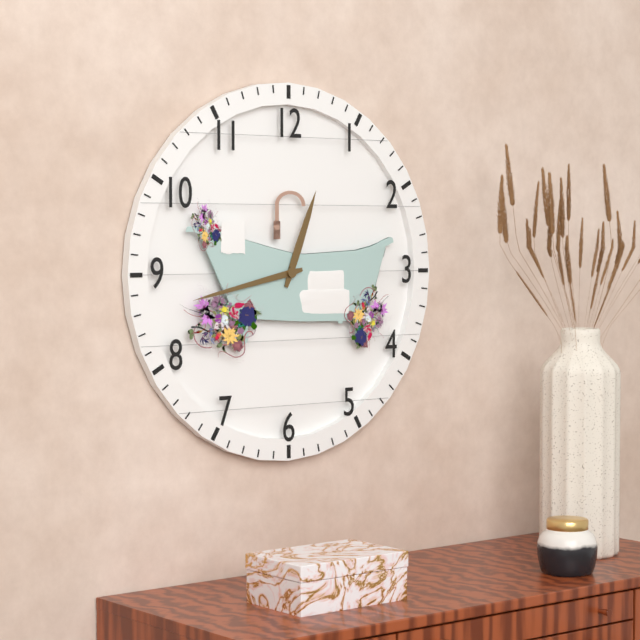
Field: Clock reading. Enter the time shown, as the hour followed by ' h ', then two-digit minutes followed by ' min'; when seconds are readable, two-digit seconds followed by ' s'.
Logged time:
12 h 43 min
